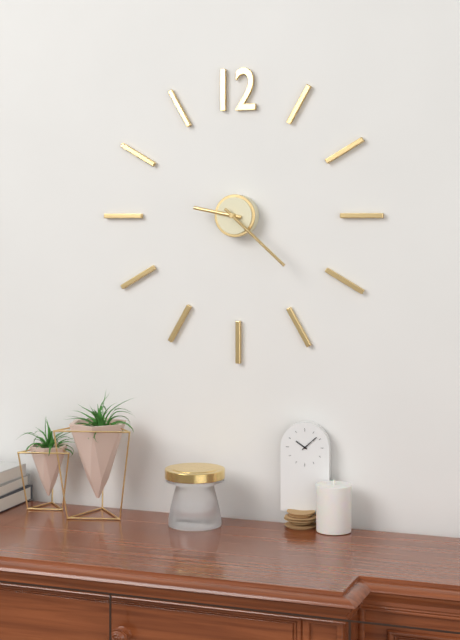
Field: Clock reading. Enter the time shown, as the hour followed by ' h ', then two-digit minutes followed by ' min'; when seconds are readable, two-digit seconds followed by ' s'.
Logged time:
9 h 22 min
